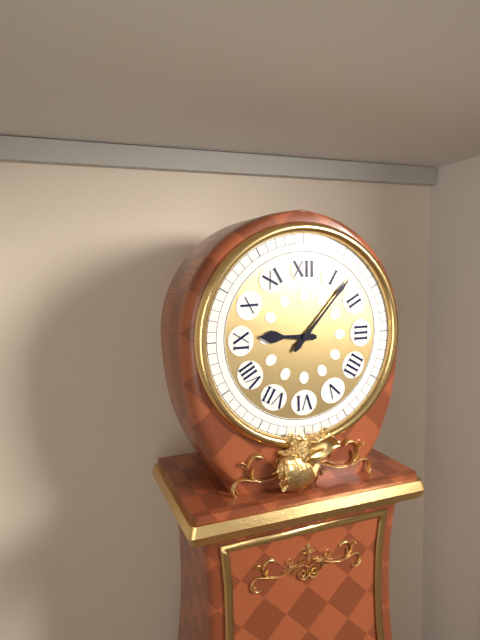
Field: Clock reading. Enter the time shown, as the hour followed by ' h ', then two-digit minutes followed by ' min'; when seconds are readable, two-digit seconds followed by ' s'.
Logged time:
9 h 07 min
